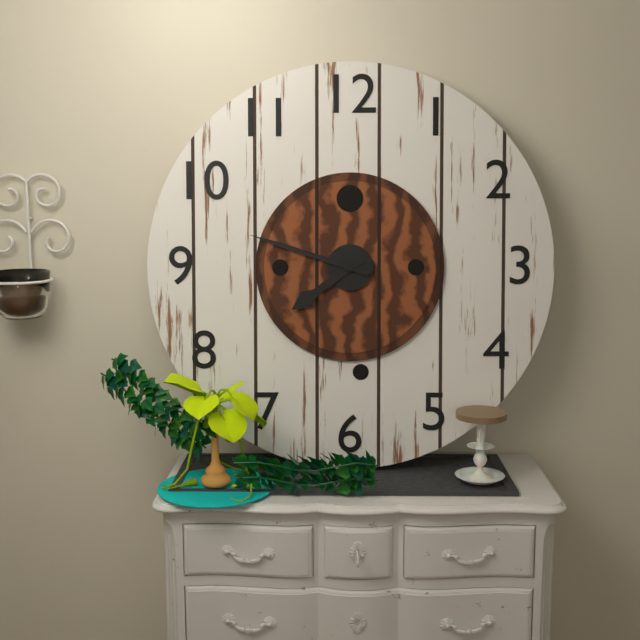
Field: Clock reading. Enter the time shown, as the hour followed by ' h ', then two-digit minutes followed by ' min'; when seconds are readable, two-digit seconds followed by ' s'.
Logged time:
7 h 48 min
